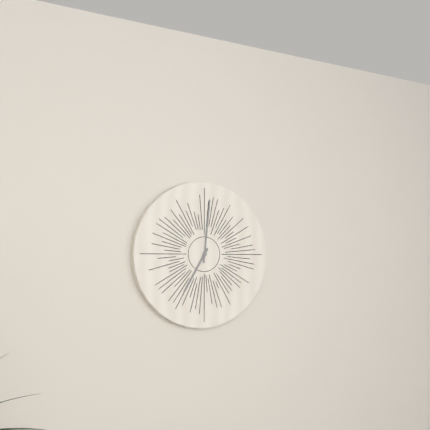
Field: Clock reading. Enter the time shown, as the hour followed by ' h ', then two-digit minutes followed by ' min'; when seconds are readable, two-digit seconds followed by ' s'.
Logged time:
7 h 01 min
